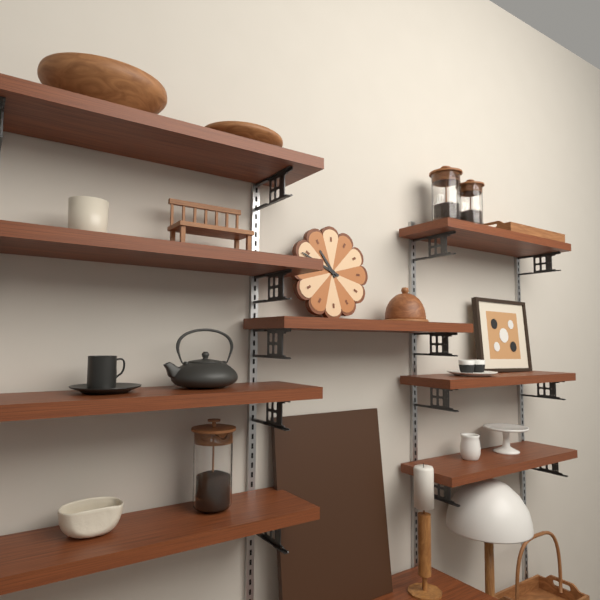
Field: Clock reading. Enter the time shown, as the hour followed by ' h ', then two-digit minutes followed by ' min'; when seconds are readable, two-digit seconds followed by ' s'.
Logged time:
10 h 49 min
